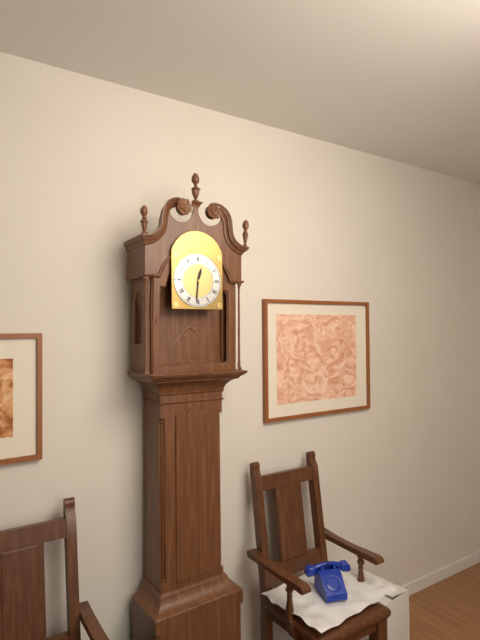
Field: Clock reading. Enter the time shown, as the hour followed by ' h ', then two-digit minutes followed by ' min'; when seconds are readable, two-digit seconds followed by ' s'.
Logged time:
12 h 31 min
